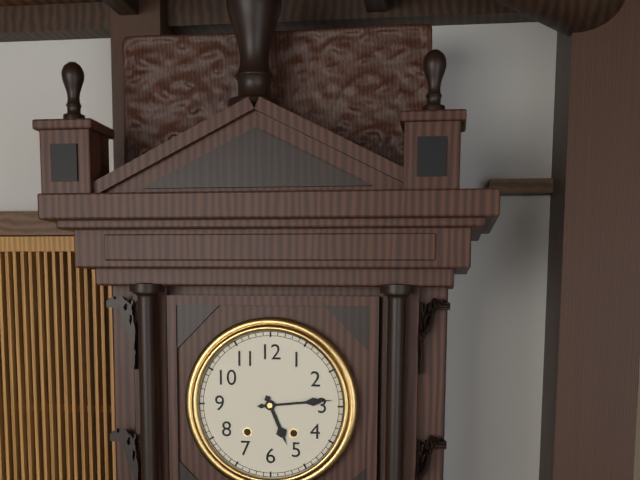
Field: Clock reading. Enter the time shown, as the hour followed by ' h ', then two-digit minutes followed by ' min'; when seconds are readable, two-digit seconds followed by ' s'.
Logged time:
5 h 14 min
